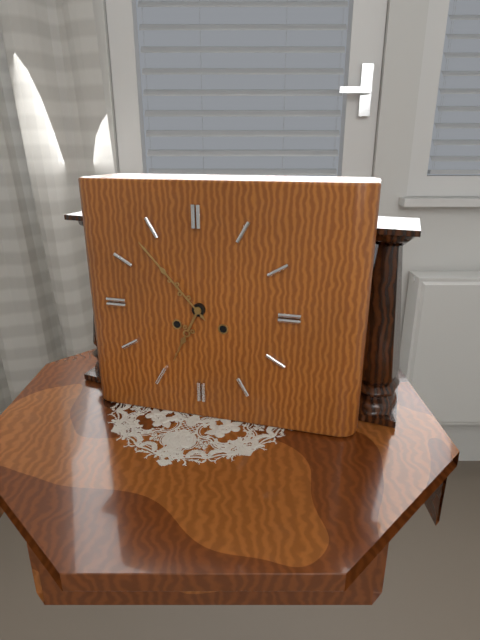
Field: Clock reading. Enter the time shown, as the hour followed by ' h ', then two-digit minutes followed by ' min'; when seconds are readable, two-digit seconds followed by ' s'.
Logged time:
6 h 53 min
